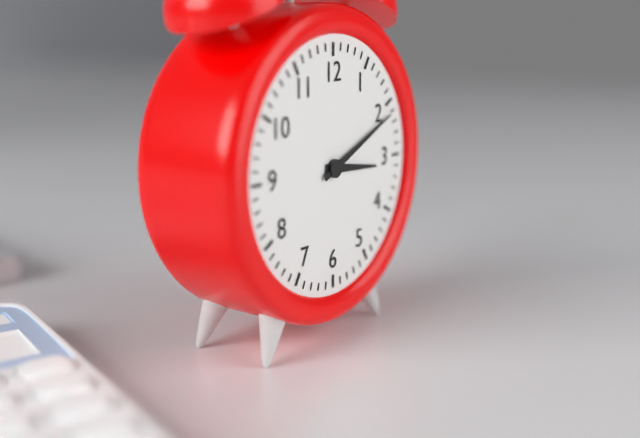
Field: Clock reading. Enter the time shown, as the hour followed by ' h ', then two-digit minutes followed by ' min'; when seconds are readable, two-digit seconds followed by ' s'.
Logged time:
3 h 11 min
